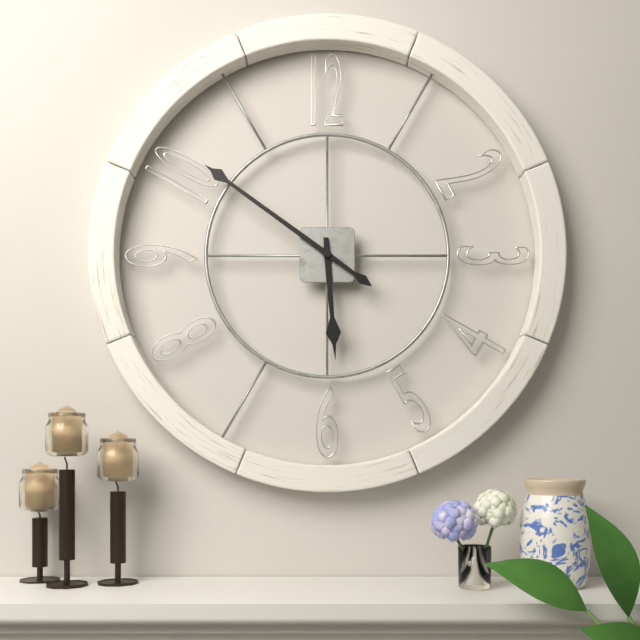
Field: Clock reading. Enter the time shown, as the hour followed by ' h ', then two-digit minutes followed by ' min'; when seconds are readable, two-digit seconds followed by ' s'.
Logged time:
5 h 51 min
